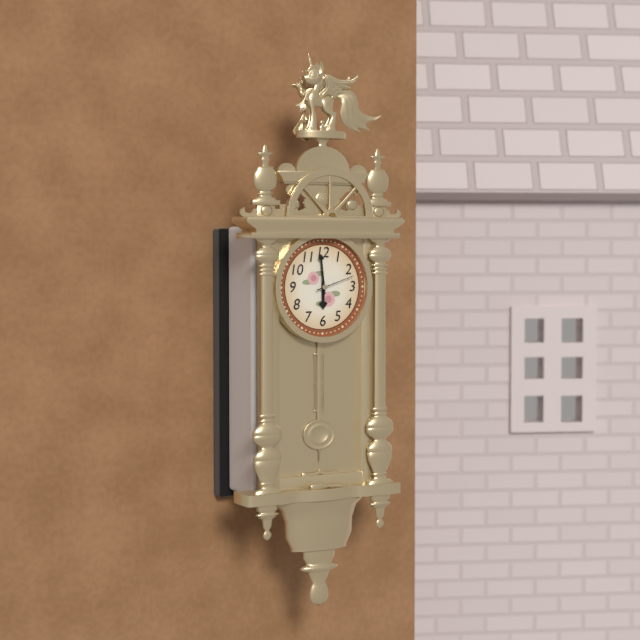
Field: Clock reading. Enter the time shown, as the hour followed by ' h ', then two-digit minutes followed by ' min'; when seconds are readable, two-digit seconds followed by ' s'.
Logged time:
5 h 59 min
